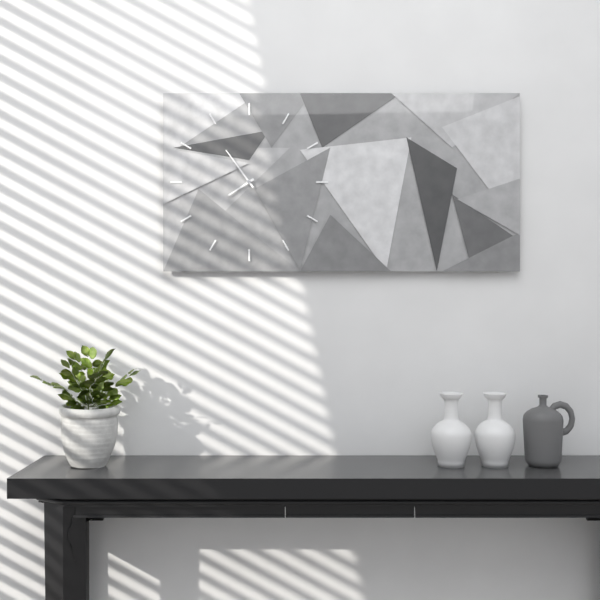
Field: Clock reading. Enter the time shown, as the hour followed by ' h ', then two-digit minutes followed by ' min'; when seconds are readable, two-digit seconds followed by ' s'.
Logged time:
7 h 54 min
